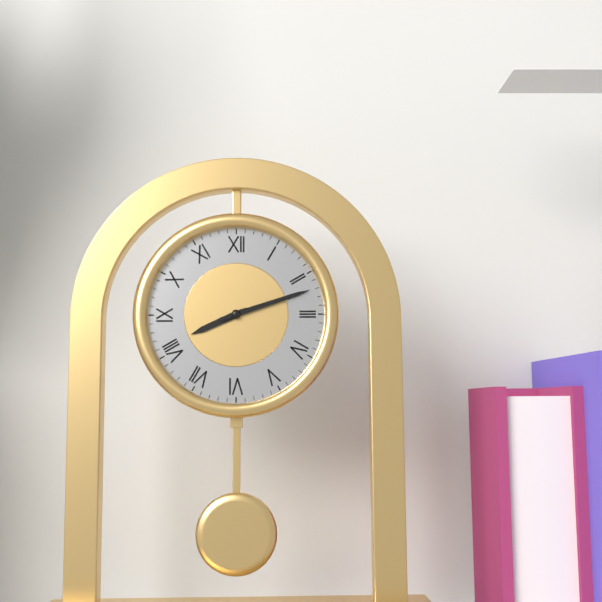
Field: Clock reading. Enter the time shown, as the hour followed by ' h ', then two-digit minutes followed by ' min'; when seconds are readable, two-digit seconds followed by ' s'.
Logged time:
8 h 12 min
